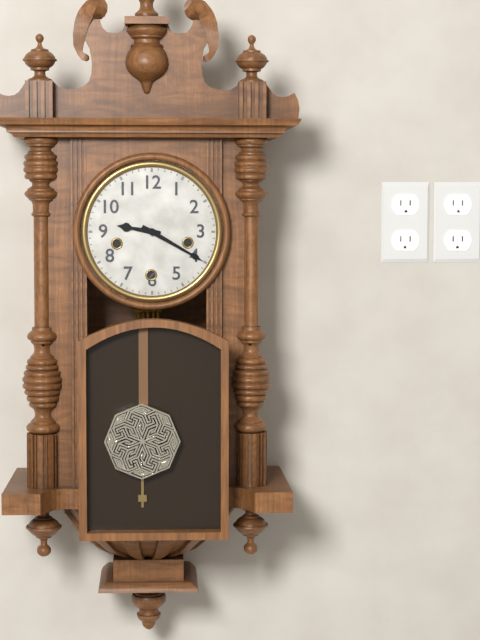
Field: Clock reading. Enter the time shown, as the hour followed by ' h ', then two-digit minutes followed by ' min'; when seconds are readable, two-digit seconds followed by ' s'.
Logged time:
9 h 20 min
